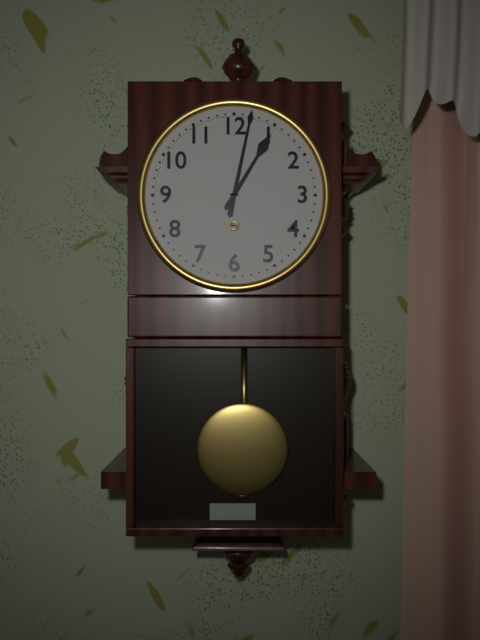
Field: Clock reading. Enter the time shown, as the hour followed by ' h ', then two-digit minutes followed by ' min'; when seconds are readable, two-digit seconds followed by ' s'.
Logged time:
1 h 02 min
